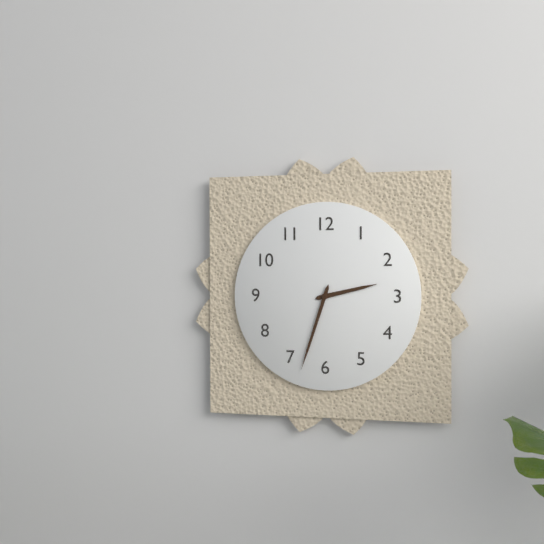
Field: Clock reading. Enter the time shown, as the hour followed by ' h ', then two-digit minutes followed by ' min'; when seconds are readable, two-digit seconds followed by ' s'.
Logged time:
2 h 33 min
